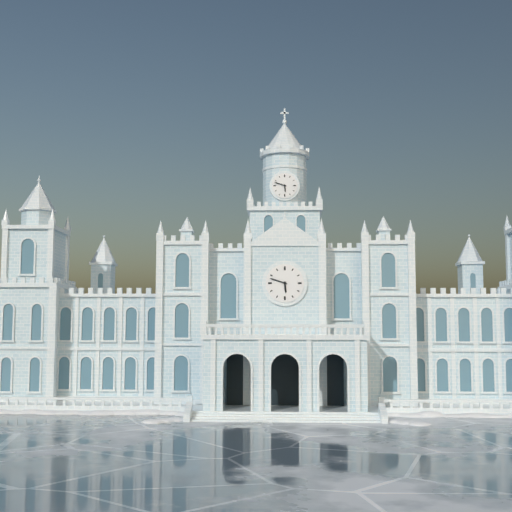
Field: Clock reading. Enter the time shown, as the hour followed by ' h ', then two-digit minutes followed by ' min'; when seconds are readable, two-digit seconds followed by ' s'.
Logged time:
5 h 48 min
